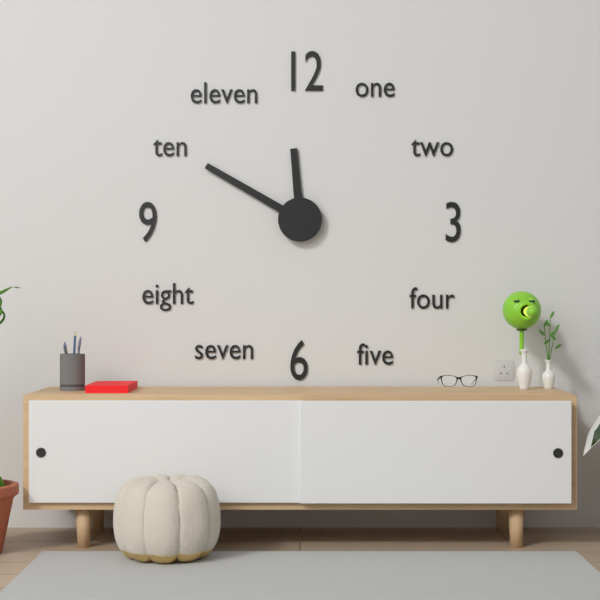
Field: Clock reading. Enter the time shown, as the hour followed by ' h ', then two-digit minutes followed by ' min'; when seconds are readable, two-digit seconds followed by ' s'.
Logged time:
11 h 50 min
